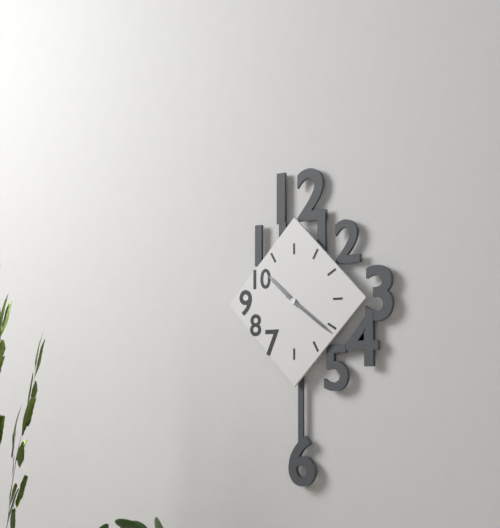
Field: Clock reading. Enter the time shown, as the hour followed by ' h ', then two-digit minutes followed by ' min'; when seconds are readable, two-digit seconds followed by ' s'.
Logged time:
10 h 21 min
